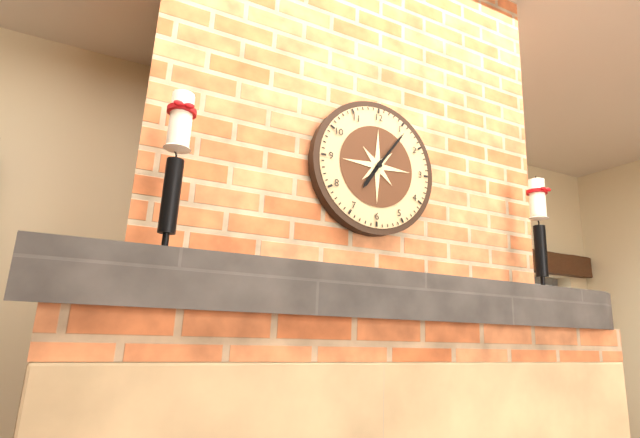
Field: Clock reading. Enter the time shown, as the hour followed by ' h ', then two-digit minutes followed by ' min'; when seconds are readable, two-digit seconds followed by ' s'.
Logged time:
7 h 06 min
